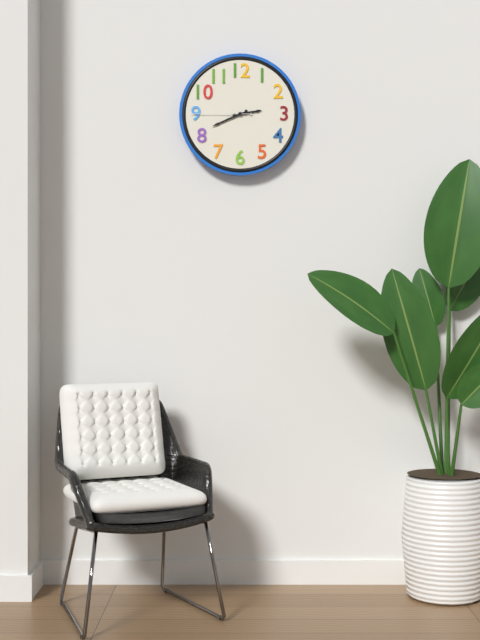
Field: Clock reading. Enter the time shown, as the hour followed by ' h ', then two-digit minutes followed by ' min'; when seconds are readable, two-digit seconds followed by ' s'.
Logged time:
2 h 41 min 45 s
